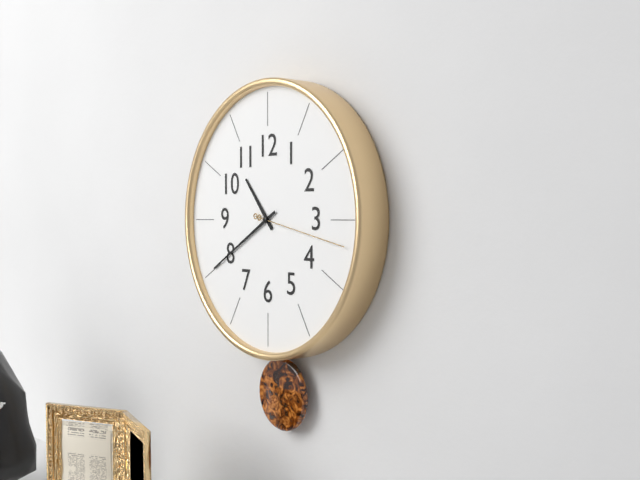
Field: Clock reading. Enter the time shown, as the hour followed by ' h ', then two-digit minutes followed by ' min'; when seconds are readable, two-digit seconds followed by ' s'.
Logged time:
10 h 40 min 17 s
